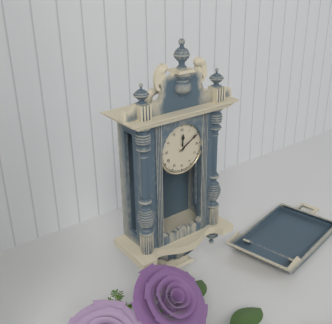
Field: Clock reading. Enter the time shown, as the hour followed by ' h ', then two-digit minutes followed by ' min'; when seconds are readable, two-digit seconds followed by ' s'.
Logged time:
12 h 10 min
